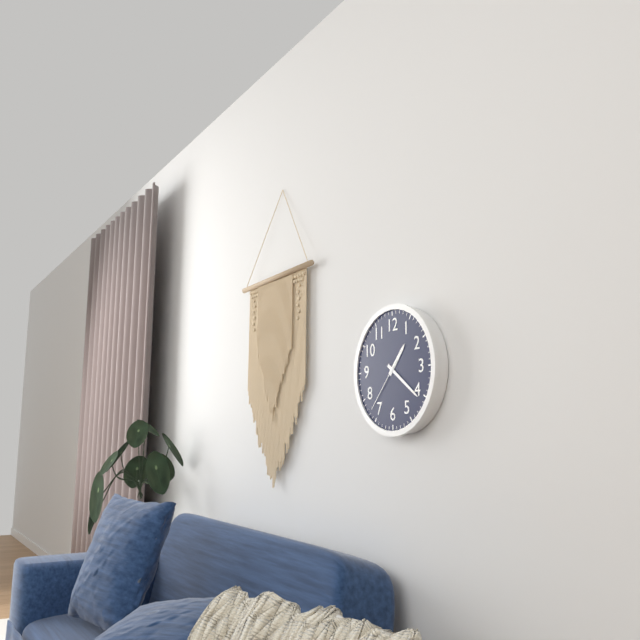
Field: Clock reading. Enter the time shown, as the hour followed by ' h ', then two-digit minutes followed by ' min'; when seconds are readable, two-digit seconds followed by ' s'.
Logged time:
1 h 21 min 37 s
